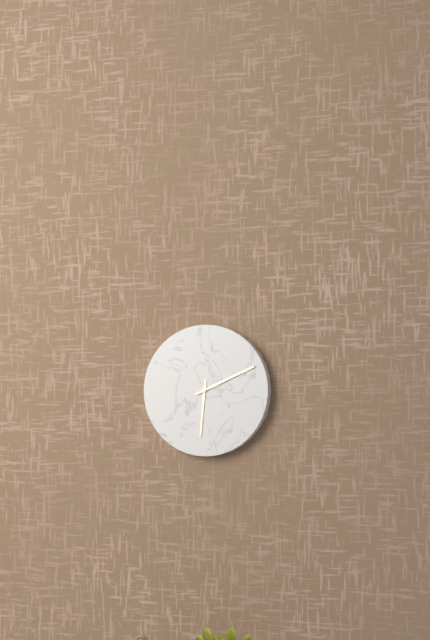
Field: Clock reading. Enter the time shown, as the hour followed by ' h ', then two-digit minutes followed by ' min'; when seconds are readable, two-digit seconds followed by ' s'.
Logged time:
6 h 11 min
